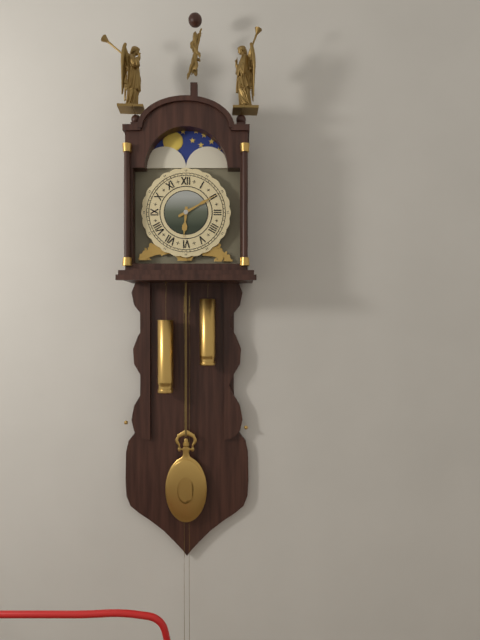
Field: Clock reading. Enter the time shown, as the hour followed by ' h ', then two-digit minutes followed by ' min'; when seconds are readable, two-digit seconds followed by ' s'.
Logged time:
6 h 10 min
